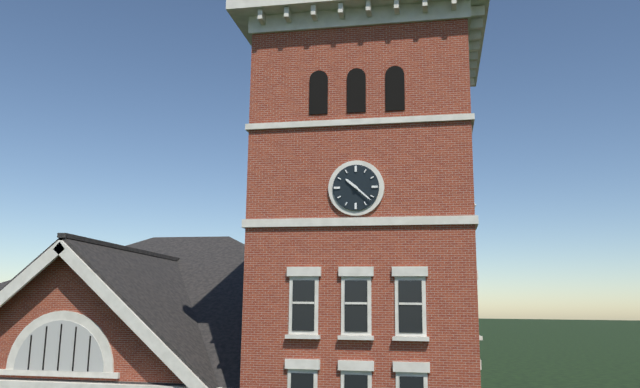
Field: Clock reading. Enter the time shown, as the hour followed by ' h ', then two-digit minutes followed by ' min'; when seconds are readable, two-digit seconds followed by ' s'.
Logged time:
10 h 22 min
